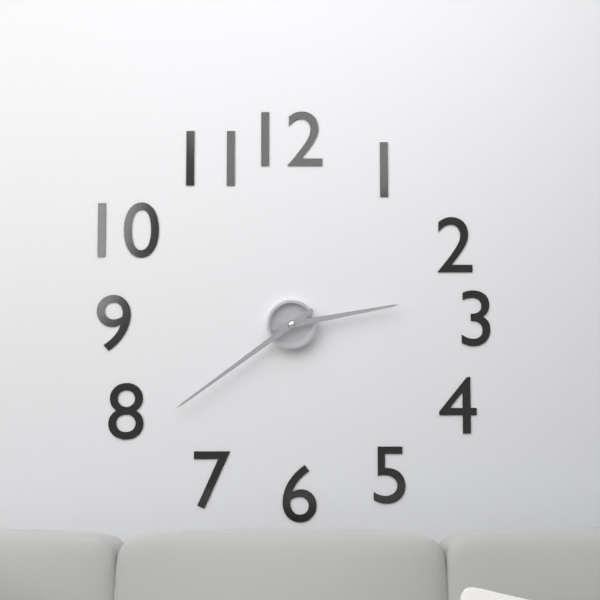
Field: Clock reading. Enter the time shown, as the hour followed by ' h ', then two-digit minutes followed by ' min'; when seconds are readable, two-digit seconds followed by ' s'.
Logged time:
2 h 39 min
